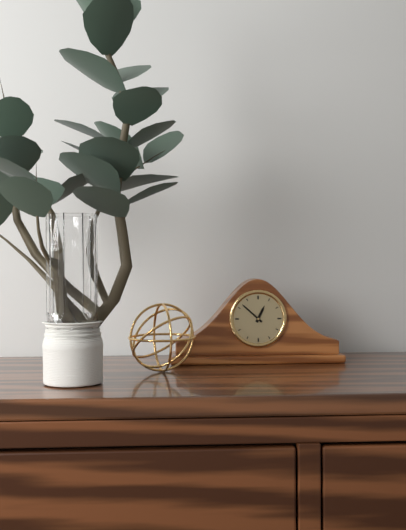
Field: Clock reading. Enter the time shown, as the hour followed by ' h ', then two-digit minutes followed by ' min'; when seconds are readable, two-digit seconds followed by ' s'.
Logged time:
12 h 52 min
